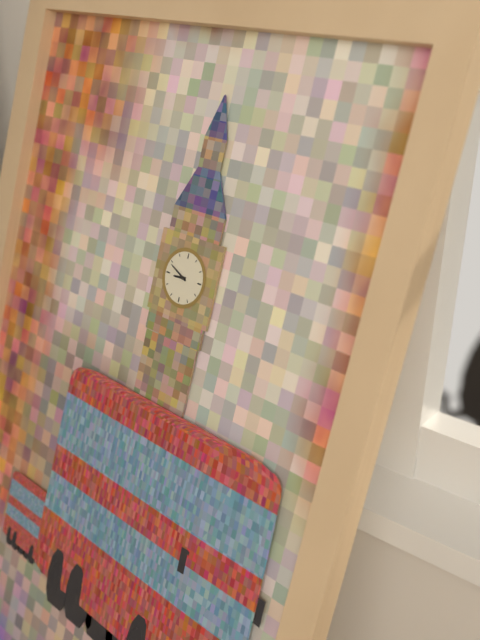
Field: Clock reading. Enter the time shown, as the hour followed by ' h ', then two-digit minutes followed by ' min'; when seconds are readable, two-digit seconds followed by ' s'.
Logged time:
8 h 49 min
